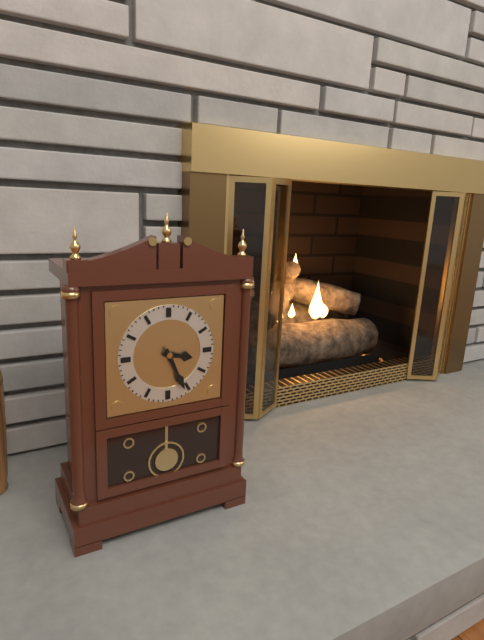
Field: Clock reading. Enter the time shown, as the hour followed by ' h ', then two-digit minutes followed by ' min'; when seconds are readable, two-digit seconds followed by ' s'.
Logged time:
3 h 26 min
